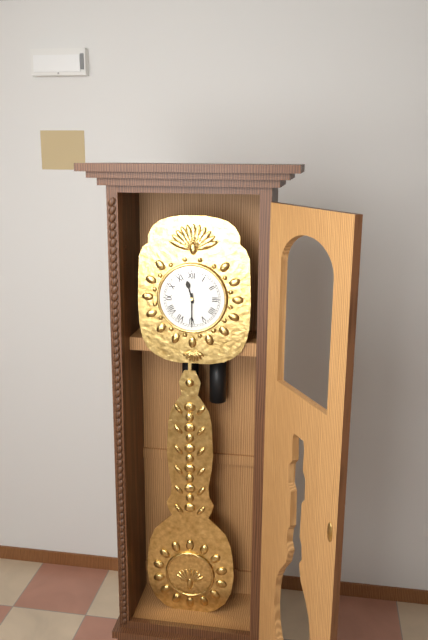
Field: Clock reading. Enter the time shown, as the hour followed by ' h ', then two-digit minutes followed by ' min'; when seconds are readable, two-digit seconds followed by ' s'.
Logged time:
11 h 30 min
